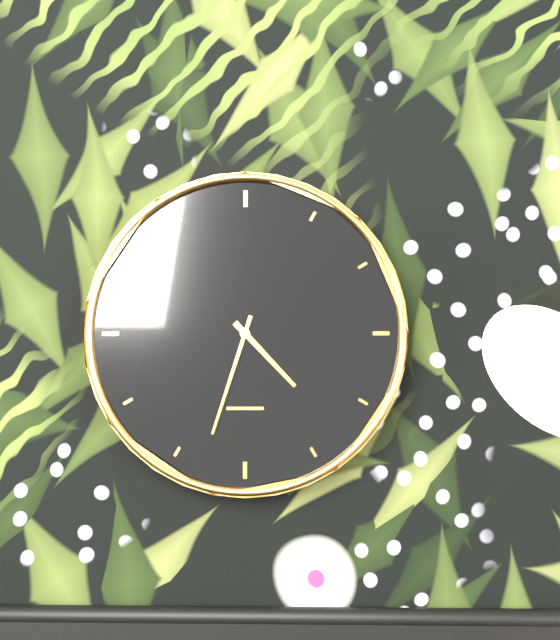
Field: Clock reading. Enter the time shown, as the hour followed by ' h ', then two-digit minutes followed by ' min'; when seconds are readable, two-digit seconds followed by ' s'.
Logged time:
4 h 33 min
